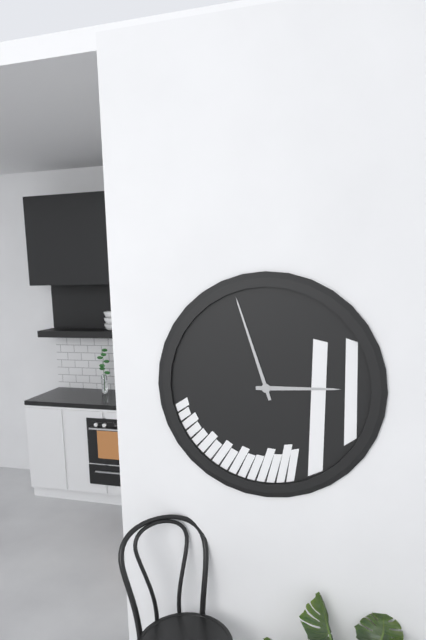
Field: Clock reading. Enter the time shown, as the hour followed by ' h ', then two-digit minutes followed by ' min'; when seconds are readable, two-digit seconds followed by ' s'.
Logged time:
2 h 57 min
